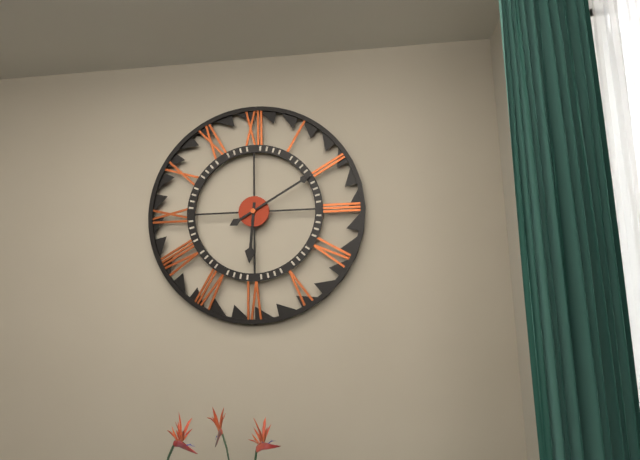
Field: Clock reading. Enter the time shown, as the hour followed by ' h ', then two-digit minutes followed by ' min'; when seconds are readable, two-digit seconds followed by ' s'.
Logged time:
6 h 10 min
